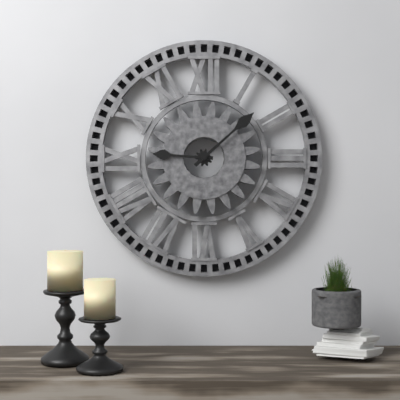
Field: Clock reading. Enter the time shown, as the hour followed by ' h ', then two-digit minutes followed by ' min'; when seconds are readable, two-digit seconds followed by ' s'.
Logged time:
9 h 08 min
